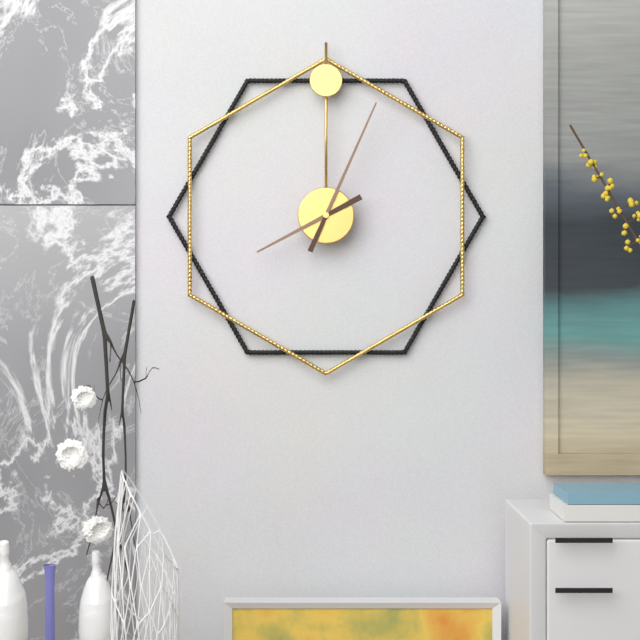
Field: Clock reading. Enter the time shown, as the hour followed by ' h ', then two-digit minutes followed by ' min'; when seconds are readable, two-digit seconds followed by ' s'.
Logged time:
8 h 04 min
